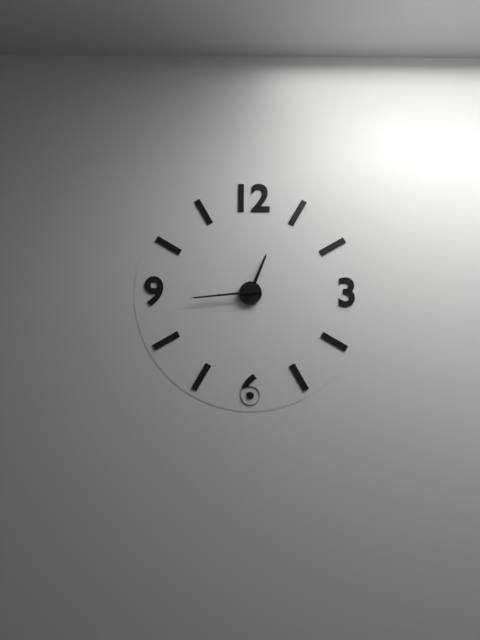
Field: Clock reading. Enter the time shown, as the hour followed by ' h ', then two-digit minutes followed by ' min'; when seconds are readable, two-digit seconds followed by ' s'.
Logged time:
12 h 44 min
